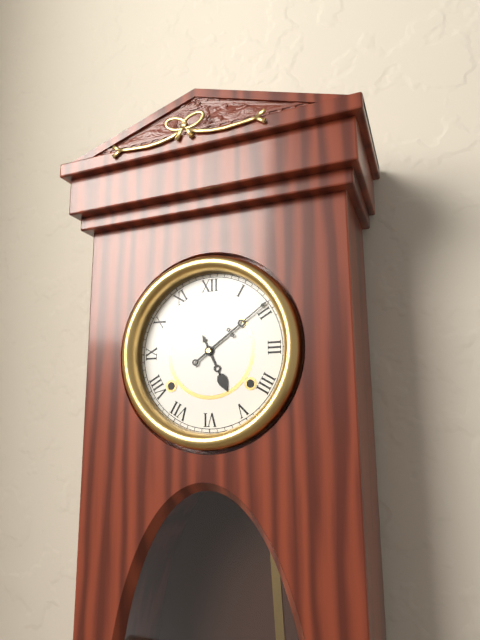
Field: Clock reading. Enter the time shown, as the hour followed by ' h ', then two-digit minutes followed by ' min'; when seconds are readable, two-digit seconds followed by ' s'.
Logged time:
5 h 09 min
